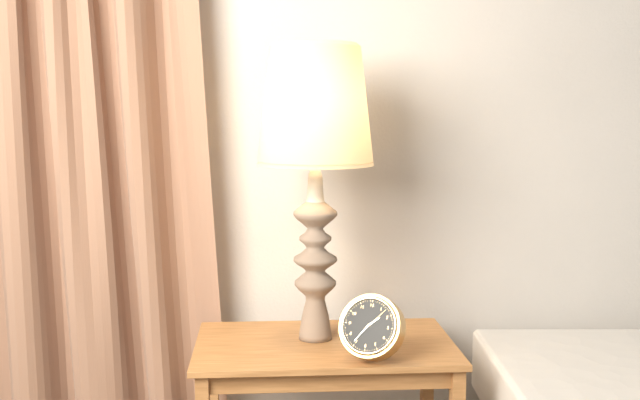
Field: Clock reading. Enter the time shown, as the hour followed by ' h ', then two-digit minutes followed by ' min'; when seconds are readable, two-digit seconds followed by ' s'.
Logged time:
1 h 36 min
